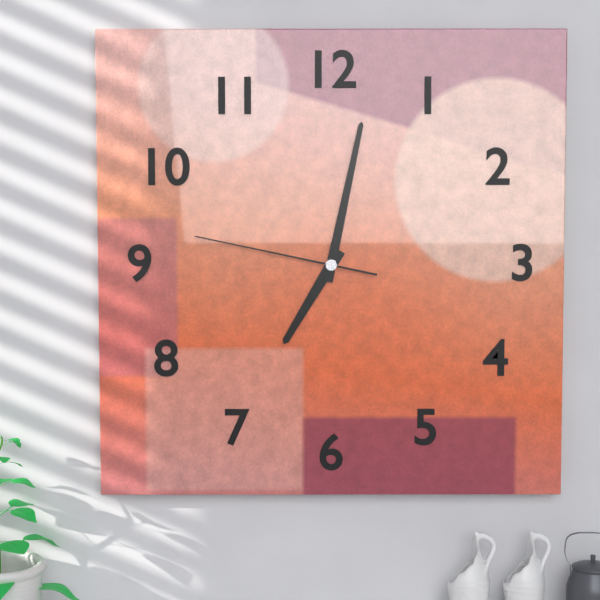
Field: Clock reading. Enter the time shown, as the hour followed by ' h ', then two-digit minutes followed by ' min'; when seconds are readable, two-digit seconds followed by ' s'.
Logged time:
7 h 02 min 47 s
